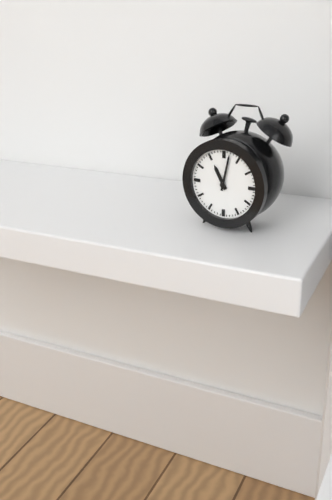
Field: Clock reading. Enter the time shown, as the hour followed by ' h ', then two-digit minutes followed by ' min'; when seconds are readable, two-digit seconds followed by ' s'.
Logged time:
11 h 02 min
